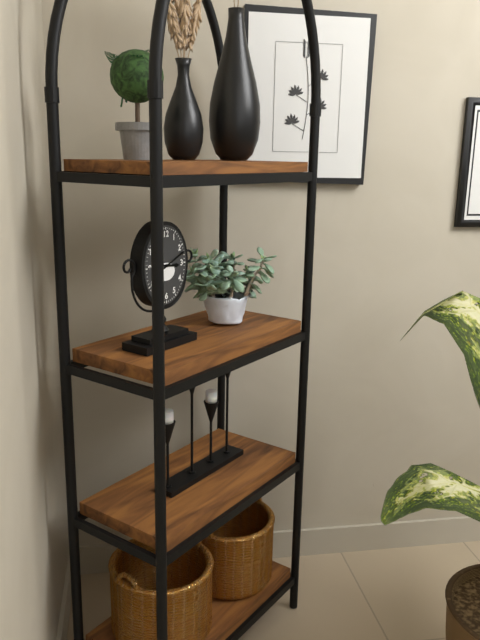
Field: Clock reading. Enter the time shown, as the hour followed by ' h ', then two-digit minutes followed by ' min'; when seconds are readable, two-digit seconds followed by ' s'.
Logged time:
3 h 11 min
